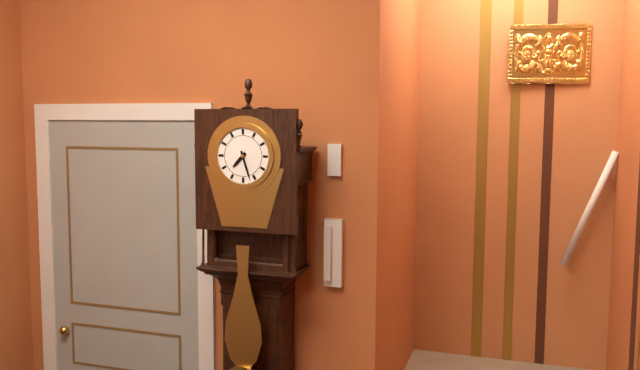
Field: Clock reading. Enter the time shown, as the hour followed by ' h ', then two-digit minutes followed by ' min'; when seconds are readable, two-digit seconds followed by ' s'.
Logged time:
7 h 27 min
